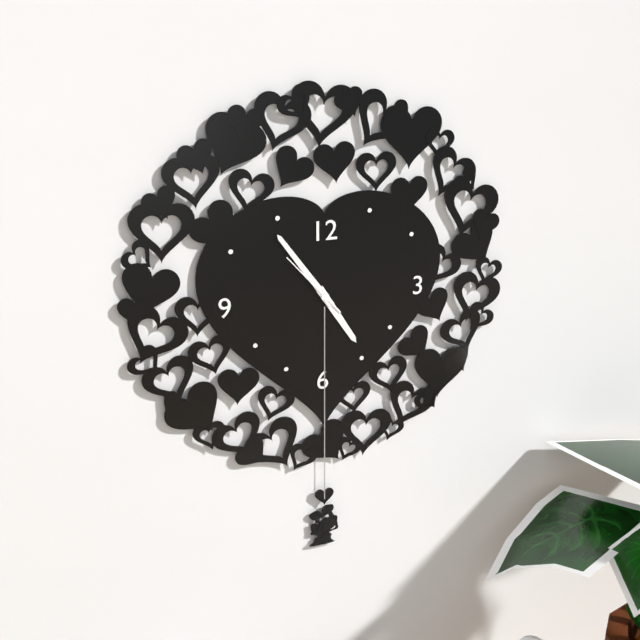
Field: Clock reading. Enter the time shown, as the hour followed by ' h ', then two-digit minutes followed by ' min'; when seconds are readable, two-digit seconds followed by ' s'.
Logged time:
4 h 54 min 53 s
